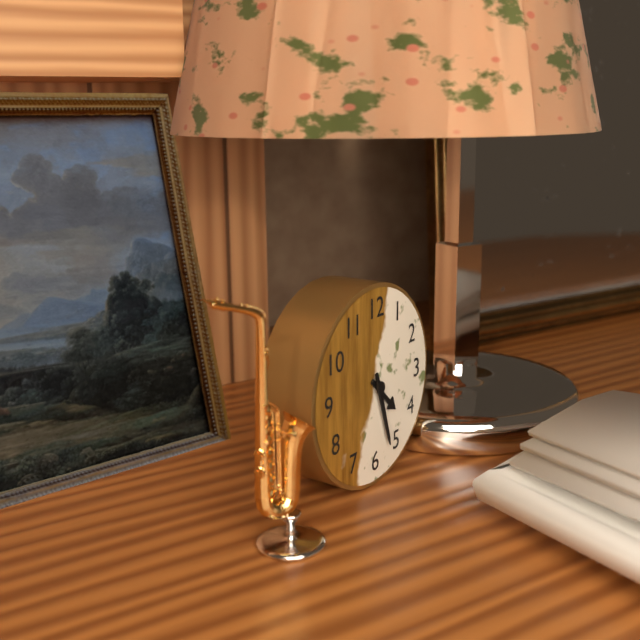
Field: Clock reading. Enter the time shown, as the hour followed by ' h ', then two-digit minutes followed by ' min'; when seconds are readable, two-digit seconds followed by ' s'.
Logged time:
4 h 27 min
